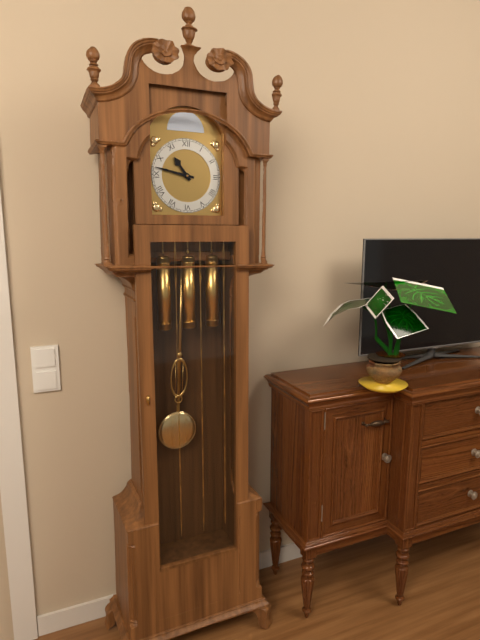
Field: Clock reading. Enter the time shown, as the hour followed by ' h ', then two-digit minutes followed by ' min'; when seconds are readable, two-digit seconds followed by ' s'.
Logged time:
10 h 47 min
